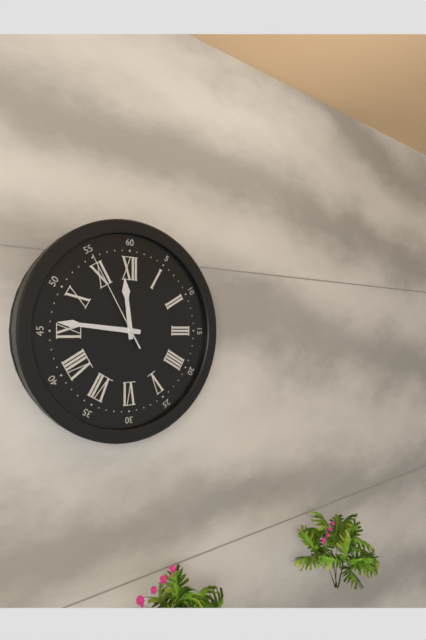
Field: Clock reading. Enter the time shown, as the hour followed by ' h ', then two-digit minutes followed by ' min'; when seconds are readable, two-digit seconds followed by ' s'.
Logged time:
11 h 46 min 55 s
